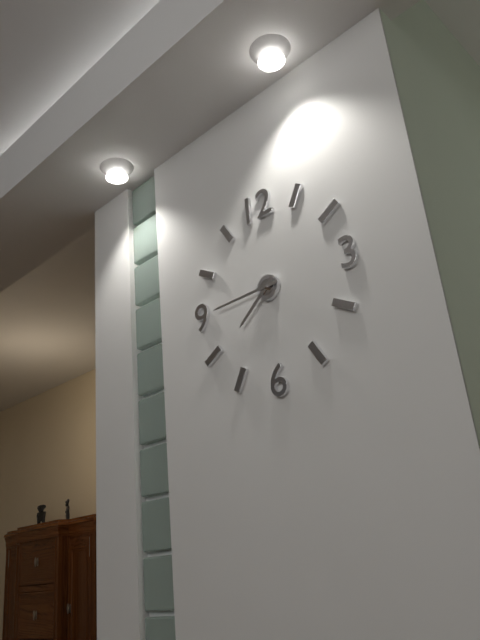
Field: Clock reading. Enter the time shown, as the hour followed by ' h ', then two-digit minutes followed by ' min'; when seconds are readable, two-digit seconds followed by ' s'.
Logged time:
7 h 45 min
